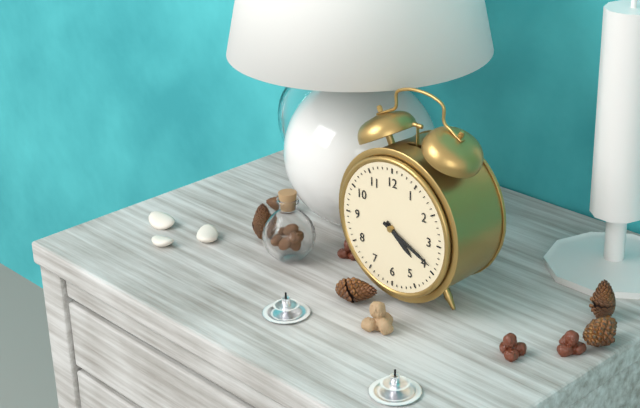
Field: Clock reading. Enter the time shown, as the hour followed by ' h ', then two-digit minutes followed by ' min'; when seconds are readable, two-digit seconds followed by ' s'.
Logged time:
4 h 19 min
